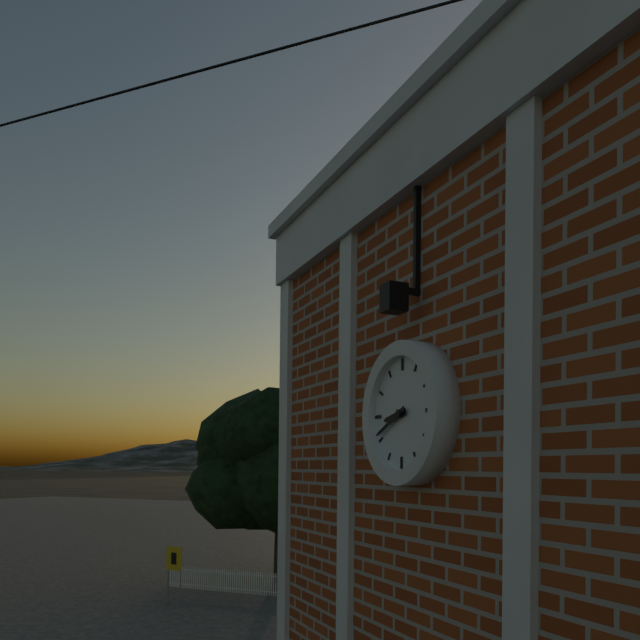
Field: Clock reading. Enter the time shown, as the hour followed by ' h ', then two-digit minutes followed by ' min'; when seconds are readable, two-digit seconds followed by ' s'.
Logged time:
8 h 41 min
